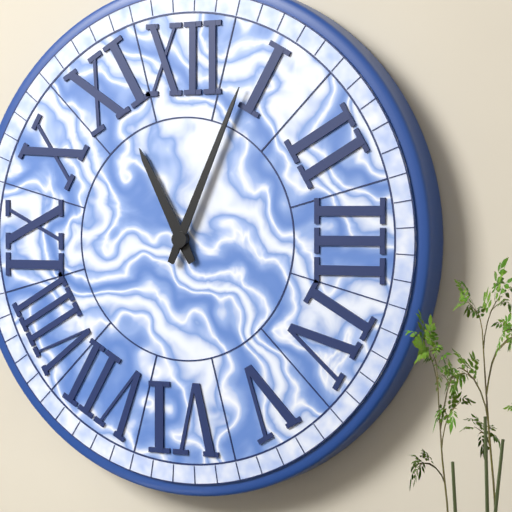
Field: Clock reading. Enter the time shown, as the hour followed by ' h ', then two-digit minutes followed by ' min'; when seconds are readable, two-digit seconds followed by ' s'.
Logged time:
11 h 04 min
